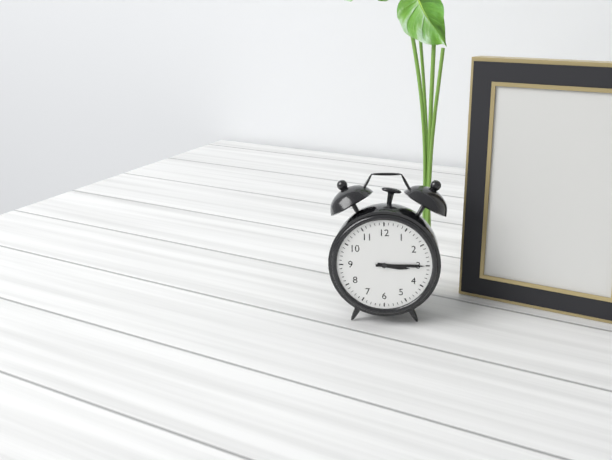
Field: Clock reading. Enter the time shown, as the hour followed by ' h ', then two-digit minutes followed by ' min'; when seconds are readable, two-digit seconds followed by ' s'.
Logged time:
3 h 15 min
